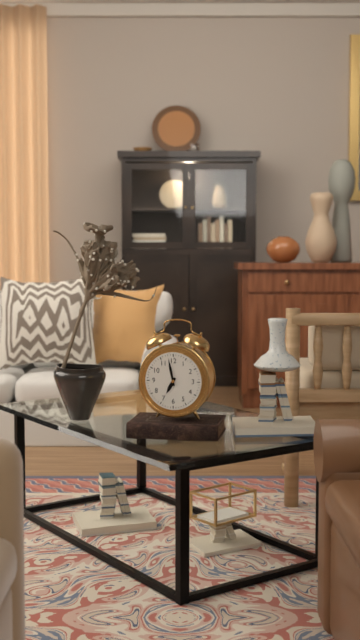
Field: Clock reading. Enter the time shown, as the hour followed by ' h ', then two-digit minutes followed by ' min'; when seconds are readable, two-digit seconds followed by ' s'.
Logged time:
6 h 58 min
